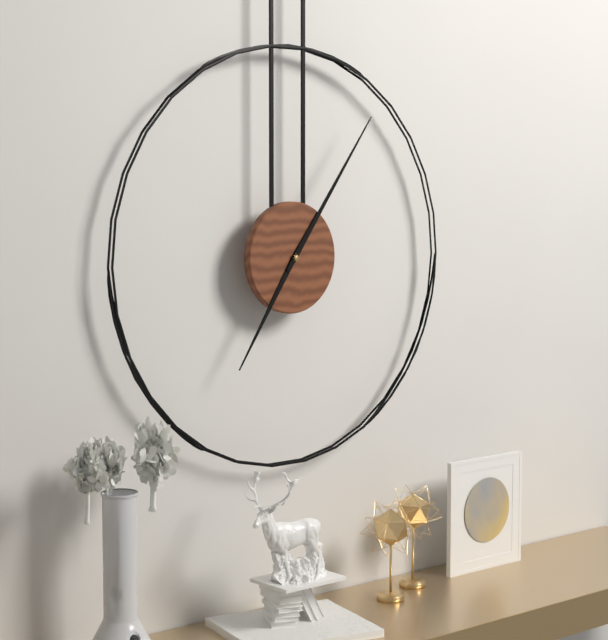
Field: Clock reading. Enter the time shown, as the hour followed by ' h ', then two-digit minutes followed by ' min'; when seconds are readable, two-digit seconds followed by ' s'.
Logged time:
7 h 06 min
